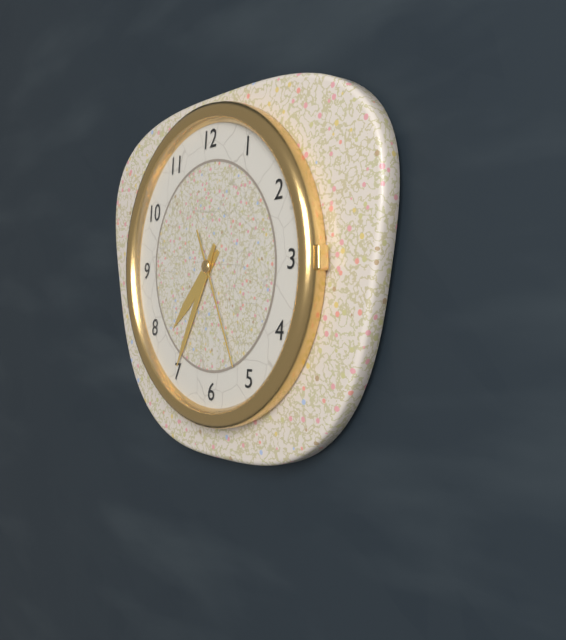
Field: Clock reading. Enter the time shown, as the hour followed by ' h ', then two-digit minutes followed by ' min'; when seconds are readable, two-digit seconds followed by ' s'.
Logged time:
7 h 35 min 26 s
